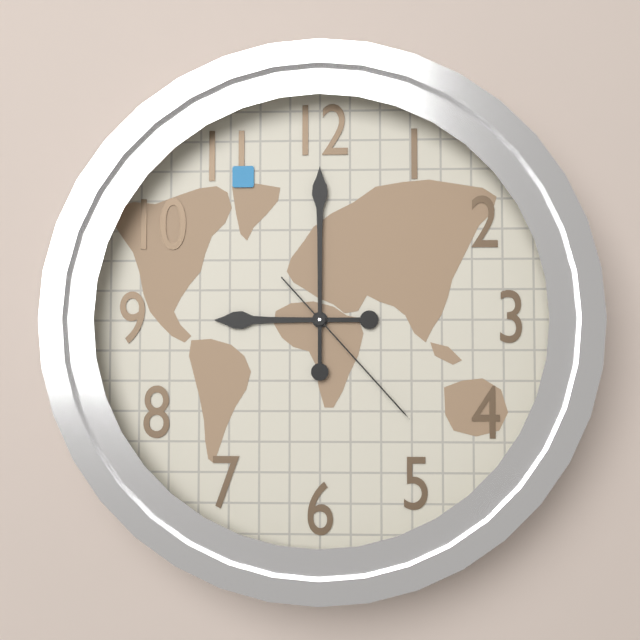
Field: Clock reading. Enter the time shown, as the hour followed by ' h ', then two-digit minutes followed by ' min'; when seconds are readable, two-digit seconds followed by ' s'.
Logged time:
9 h 00 min 23 s
